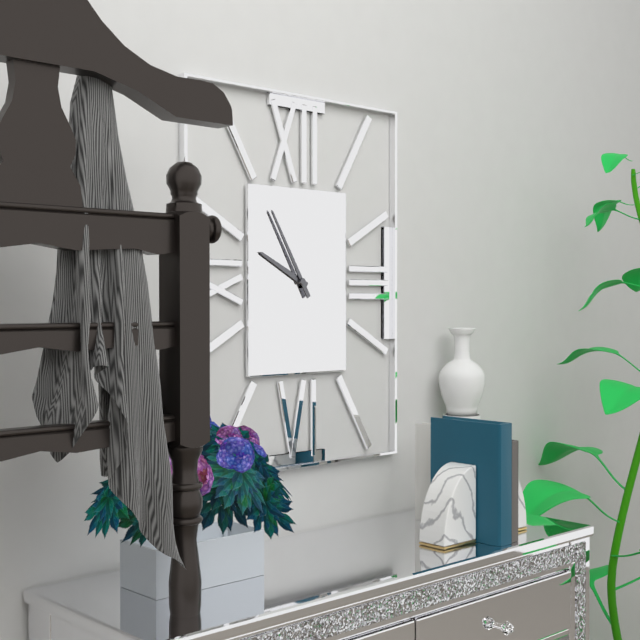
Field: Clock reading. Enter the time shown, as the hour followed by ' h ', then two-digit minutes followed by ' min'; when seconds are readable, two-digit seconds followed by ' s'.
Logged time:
9 h 55 min
